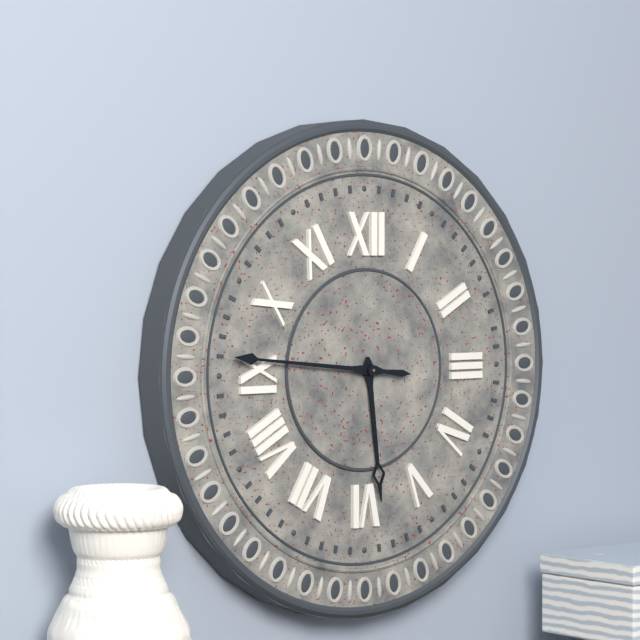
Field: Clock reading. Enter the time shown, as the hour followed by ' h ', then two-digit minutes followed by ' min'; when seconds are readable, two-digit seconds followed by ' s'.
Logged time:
5 h 46 min
